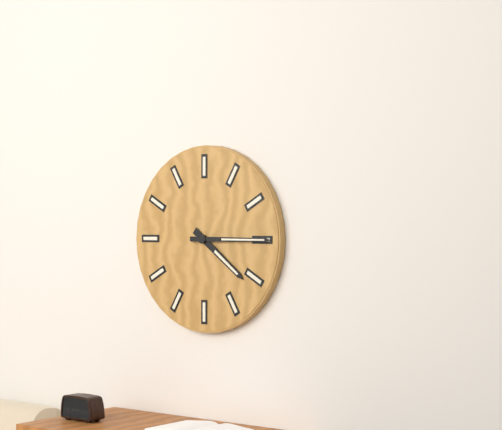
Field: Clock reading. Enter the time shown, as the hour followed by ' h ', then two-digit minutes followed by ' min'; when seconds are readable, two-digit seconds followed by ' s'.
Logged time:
4 h 15 min
